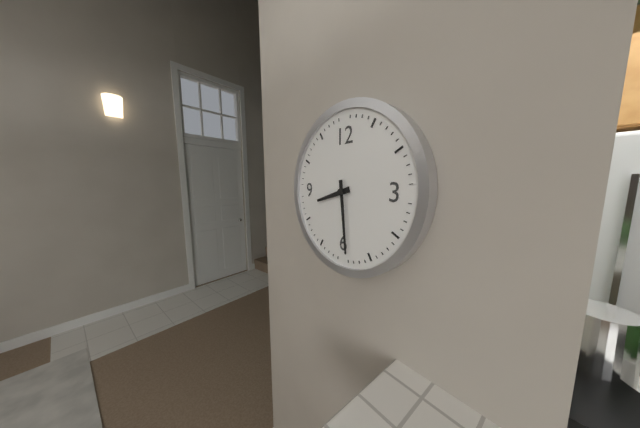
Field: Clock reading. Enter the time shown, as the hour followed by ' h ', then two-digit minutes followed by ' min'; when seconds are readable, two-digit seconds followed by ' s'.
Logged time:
8 h 29 min
